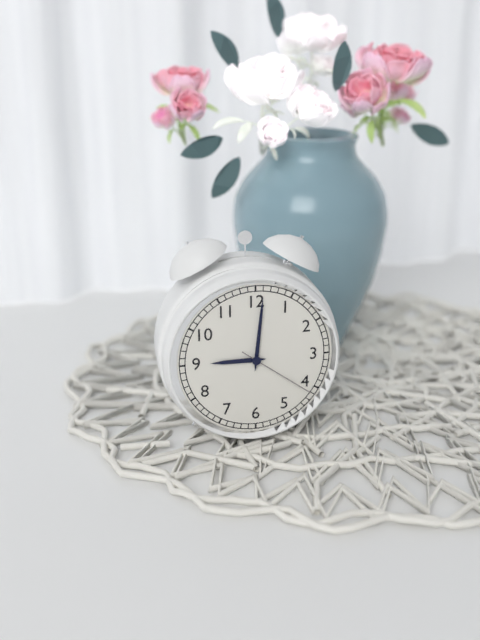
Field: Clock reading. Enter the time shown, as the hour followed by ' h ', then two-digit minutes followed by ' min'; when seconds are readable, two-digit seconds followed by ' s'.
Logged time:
9 h 01 min 21 s
